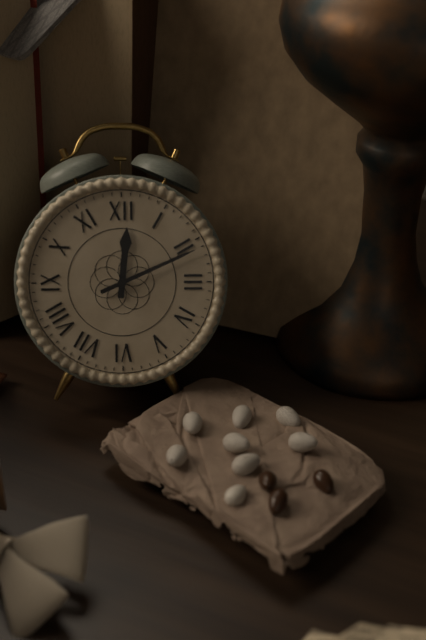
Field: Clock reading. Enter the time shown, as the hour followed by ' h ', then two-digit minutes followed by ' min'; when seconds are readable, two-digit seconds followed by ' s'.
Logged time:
12 h 11 min
